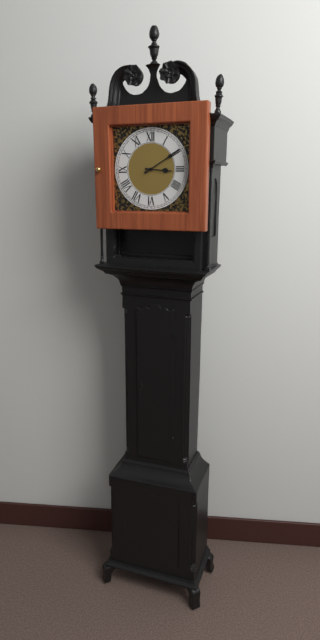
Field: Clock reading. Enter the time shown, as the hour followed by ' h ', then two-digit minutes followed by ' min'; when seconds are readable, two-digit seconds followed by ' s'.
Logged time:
3 h 10 min
